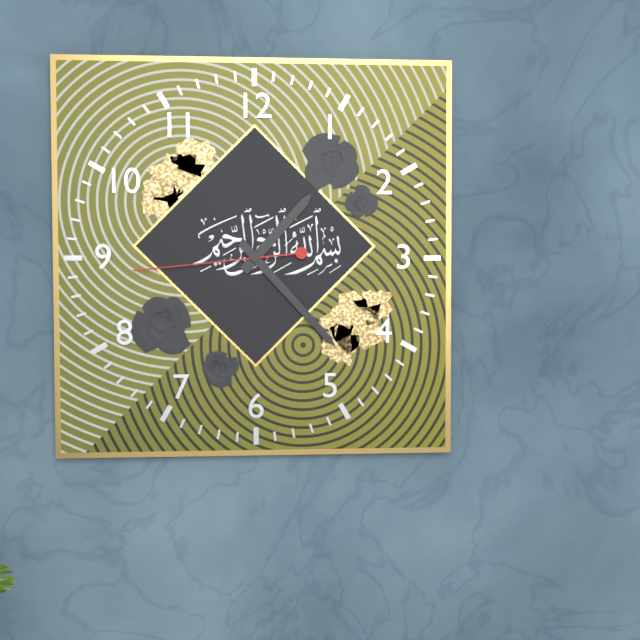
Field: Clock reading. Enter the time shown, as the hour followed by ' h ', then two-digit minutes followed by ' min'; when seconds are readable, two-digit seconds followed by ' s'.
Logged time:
1 h 23 min 44 s
